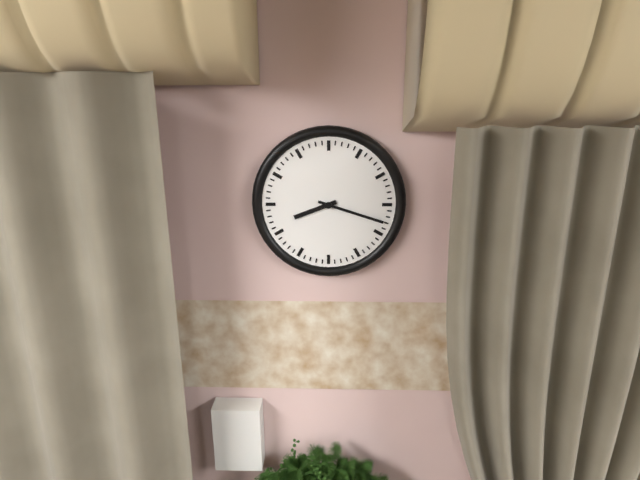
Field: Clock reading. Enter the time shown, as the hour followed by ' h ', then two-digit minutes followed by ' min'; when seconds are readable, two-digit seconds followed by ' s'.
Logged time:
8 h 18 min
